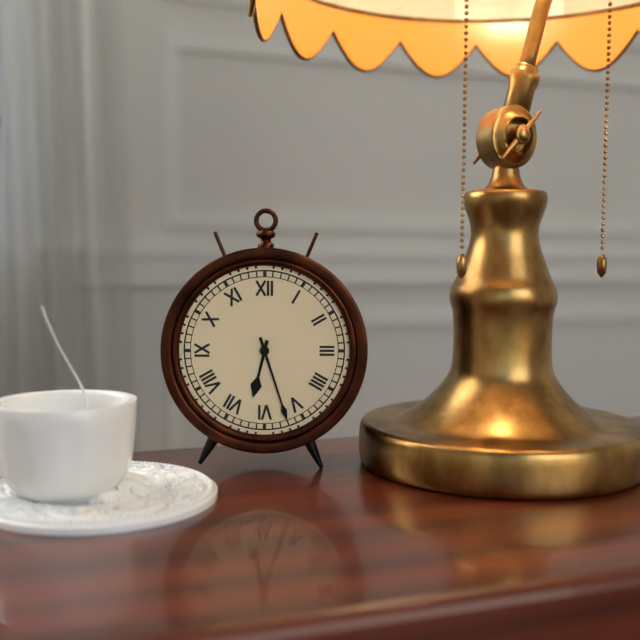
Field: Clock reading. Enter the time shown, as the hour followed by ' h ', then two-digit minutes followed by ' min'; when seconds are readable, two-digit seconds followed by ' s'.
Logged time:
6 h 27 min
